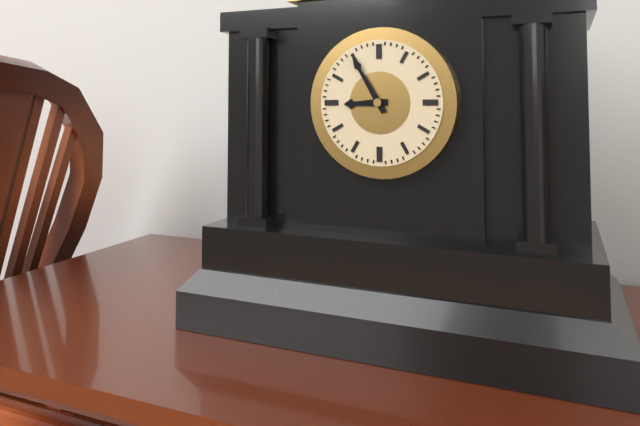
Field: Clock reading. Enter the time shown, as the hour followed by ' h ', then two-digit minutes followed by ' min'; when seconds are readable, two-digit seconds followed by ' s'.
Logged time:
8 h 55 min
